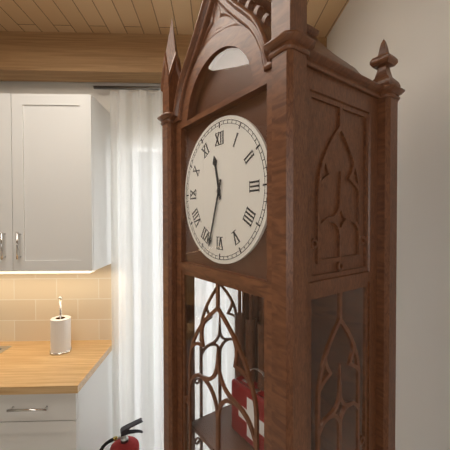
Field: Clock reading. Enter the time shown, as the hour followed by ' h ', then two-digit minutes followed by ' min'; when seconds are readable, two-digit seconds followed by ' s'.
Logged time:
11 h 33 min
